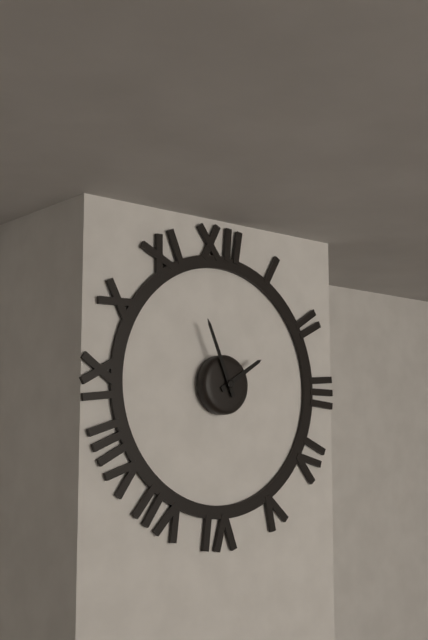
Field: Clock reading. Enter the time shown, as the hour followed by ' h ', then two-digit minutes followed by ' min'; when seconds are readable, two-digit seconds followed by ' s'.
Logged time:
1 h 56 min
